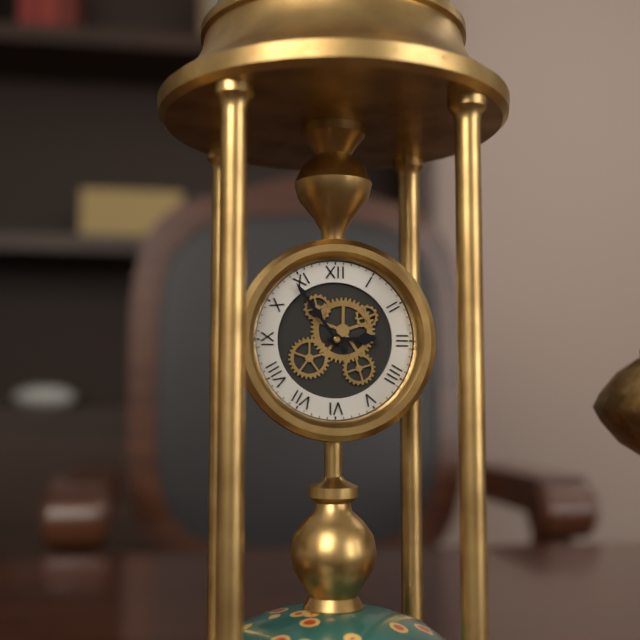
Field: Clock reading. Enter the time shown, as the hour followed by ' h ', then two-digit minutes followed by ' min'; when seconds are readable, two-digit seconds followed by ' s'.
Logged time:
2 h 54 min
